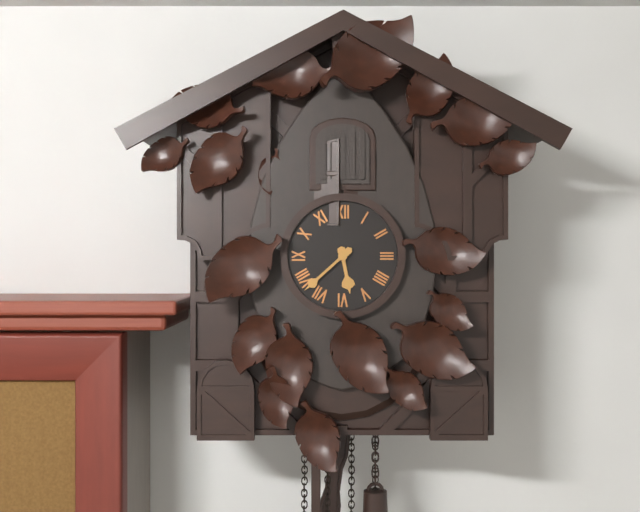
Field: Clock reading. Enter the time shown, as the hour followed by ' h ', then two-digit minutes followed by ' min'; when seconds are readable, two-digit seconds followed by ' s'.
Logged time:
5 h 38 min
